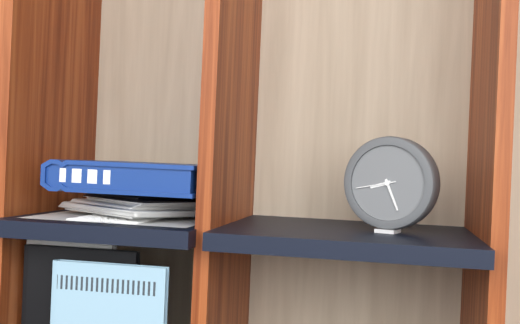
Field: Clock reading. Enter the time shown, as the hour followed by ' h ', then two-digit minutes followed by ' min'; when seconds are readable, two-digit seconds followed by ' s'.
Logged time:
8 h 26 min
